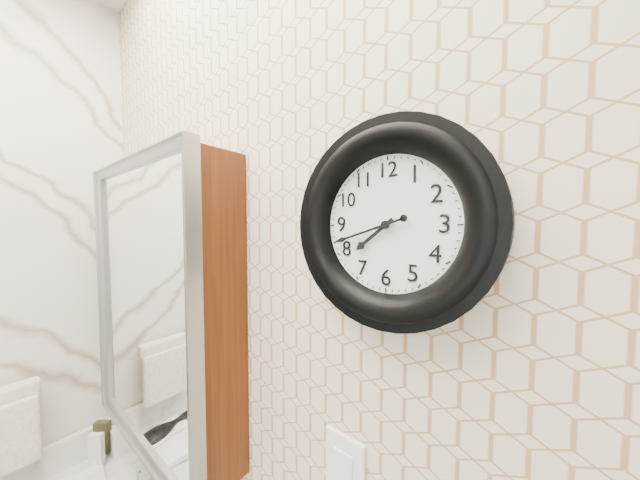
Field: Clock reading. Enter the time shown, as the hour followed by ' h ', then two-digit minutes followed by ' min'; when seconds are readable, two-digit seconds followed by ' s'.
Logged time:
7 h 42 min
